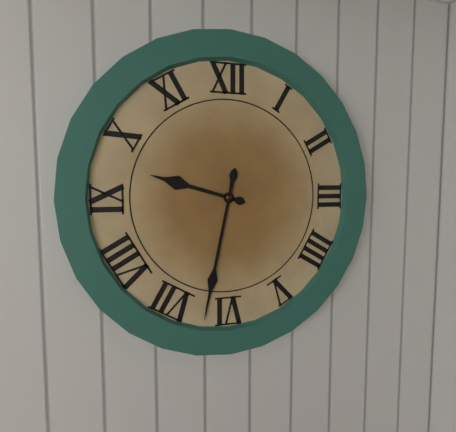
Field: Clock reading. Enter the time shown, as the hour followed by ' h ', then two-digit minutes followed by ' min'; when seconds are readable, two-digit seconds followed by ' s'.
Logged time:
9 h 32 min
